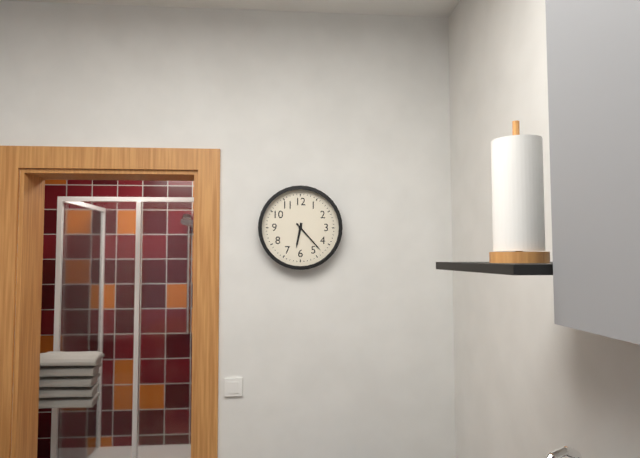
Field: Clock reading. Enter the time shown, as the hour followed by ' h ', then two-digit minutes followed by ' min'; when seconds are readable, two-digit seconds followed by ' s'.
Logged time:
6 h 23 min
